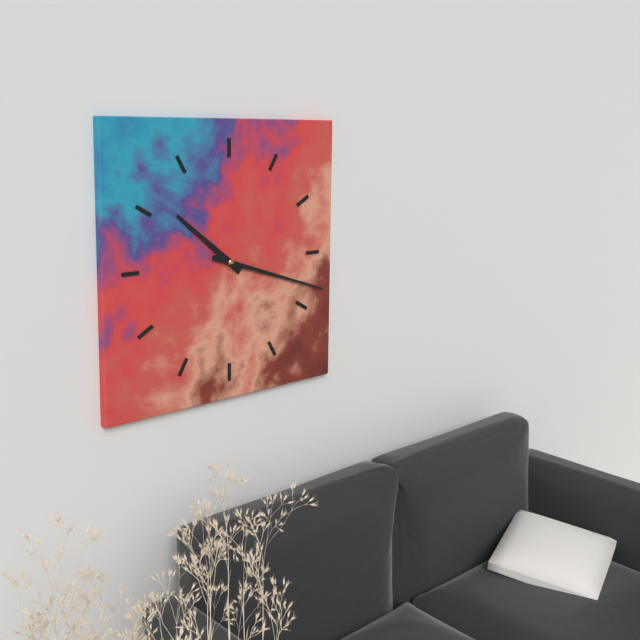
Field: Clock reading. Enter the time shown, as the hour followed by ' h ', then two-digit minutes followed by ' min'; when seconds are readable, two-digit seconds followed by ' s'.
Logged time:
10 h 18 min
